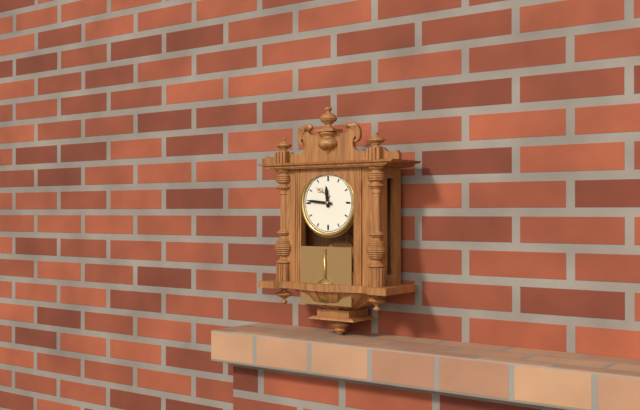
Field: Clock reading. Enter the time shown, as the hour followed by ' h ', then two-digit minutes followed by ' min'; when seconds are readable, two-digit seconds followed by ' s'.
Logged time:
11 h 46 min
